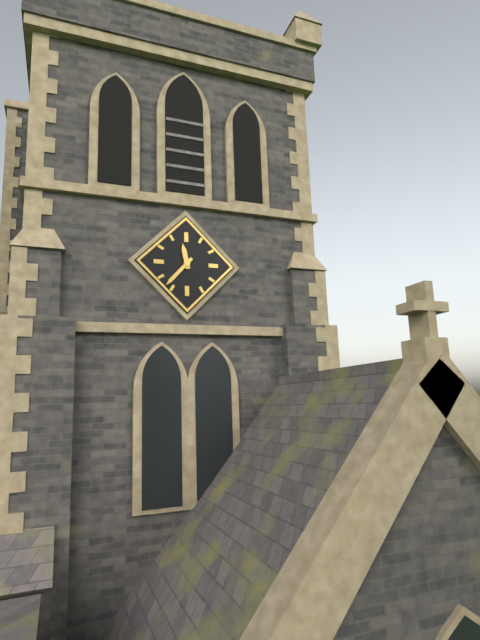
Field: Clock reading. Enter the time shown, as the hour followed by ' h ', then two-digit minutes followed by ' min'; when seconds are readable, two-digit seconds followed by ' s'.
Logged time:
11 h 37 min
